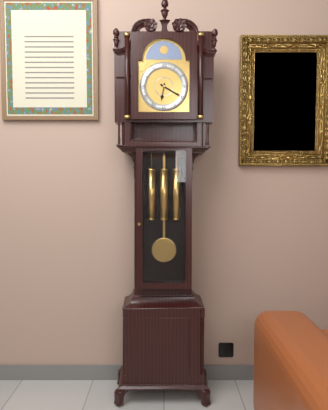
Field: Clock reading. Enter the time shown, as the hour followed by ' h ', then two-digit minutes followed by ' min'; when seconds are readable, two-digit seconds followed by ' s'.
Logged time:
6 h 20 min
